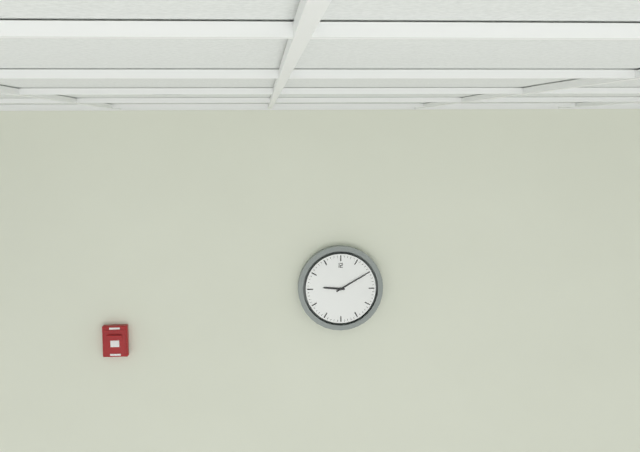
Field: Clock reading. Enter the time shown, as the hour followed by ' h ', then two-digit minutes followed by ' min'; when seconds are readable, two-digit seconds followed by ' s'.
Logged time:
9 h 10 min
